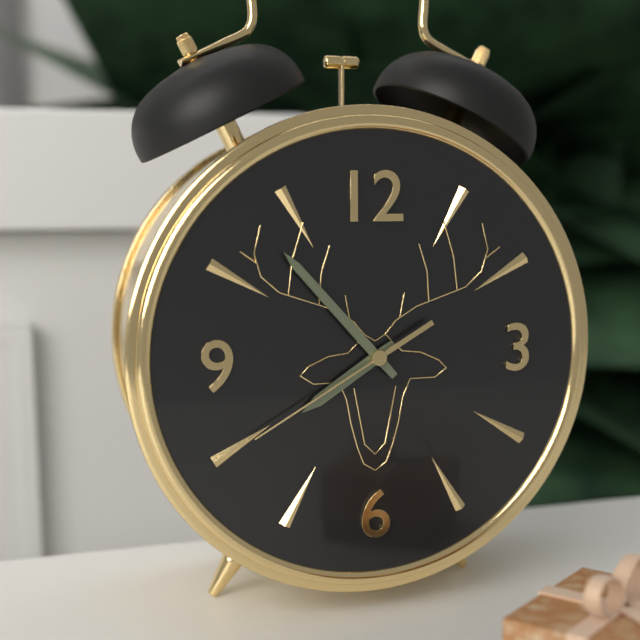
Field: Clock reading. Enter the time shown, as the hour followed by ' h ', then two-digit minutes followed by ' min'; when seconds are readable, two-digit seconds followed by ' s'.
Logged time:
7 h 53 min 40 s
